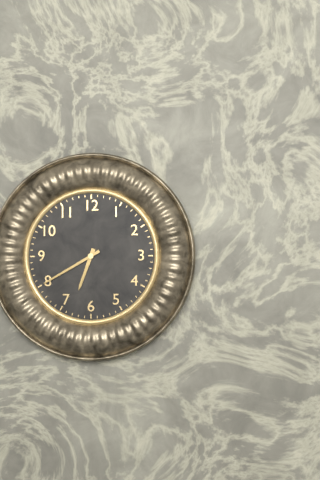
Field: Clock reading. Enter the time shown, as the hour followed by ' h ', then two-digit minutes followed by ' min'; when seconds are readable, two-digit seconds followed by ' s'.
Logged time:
6 h 40 min
